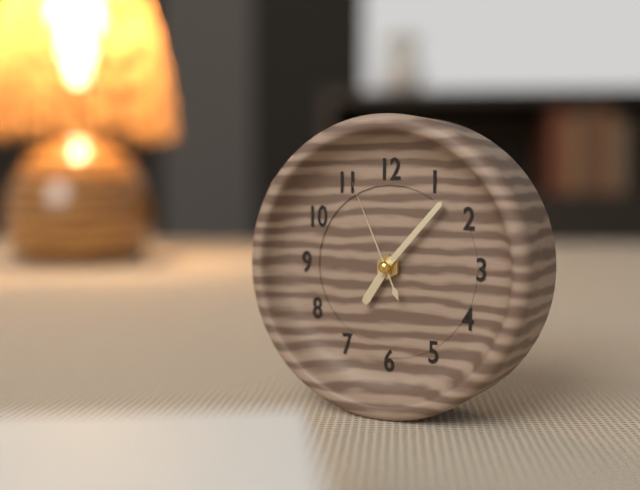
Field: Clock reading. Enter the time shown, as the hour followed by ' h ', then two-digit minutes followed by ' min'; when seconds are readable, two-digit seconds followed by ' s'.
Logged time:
7 h 07 min 56 s
